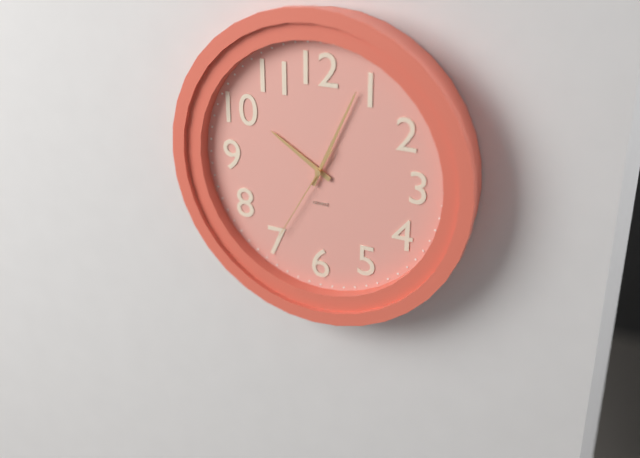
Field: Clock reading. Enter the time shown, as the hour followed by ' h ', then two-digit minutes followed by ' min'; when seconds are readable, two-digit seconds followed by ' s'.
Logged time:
10 h 04 min 35 s
